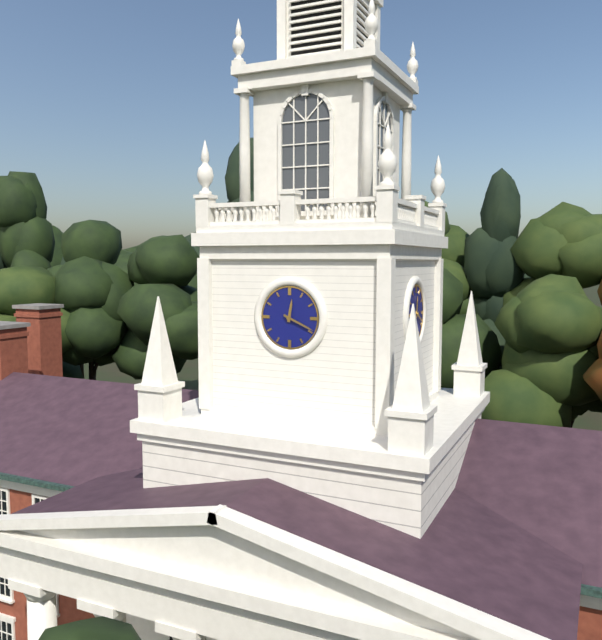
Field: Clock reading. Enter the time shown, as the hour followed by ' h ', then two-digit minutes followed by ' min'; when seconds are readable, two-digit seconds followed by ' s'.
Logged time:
12 h 19 min
